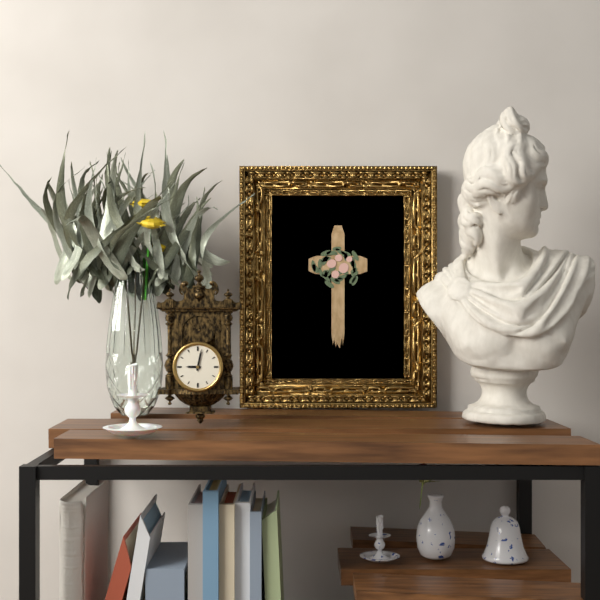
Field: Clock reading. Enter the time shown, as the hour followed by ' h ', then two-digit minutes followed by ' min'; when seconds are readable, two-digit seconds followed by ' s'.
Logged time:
9 h 02 min
